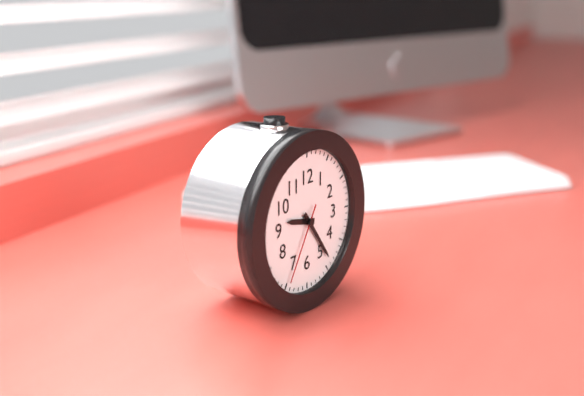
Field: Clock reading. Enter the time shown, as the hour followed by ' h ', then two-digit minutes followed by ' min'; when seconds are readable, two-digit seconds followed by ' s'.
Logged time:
9 h 24 min 35 s
